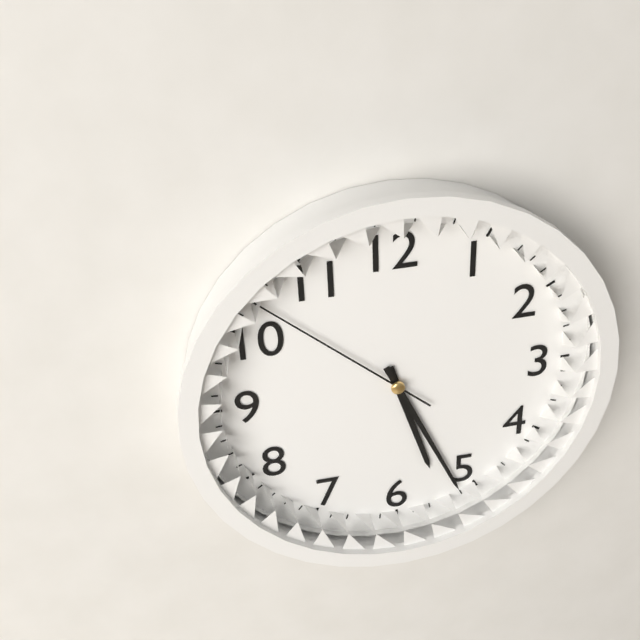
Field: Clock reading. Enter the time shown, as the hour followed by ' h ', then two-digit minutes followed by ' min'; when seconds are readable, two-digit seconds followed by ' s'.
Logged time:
5 h 26 min 52 s
